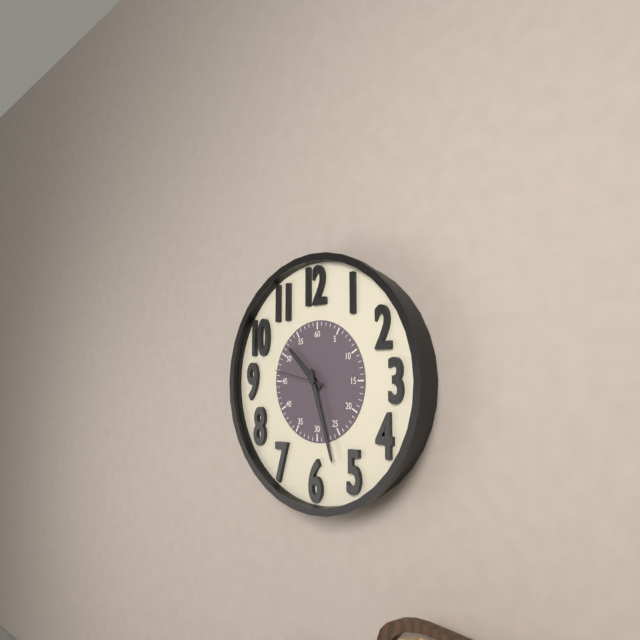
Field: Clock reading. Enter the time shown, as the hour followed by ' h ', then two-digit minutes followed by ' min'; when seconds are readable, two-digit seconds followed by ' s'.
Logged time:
10 h 27 min 47 s
